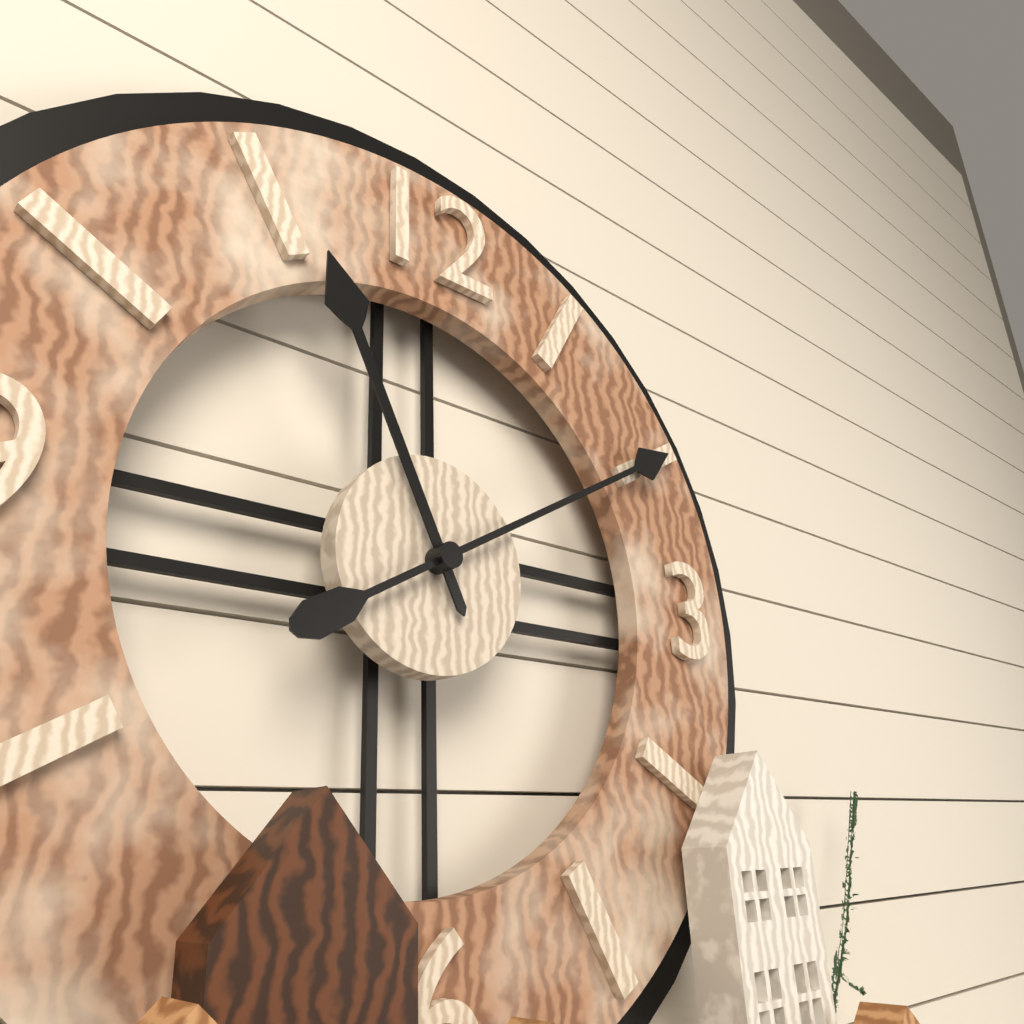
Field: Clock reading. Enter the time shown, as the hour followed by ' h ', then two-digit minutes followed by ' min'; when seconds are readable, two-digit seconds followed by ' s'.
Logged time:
11 h 10 min
